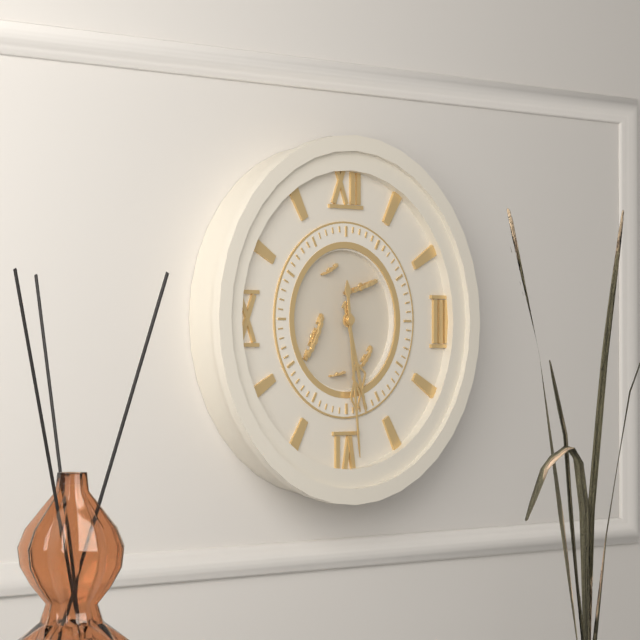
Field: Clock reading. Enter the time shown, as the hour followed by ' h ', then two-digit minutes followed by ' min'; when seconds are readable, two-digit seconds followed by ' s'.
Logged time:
5 h 29 min
